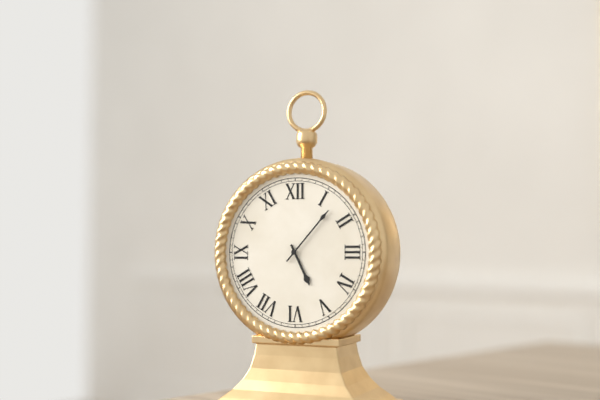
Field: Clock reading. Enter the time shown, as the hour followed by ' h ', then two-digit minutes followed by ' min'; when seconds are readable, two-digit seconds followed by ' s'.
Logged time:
5 h 07 min
